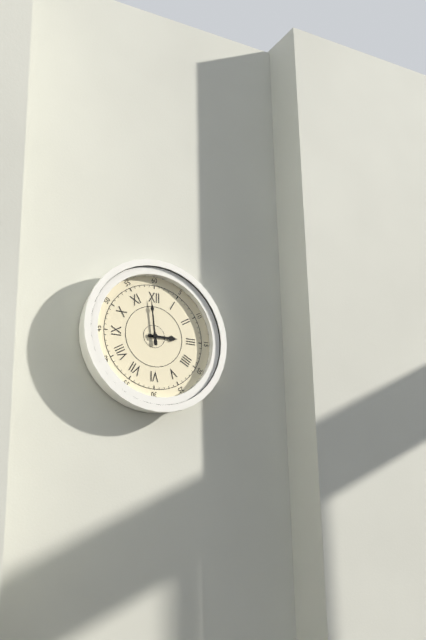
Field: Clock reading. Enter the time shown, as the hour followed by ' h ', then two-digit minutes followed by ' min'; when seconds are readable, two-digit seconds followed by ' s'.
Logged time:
2 h 59 min
